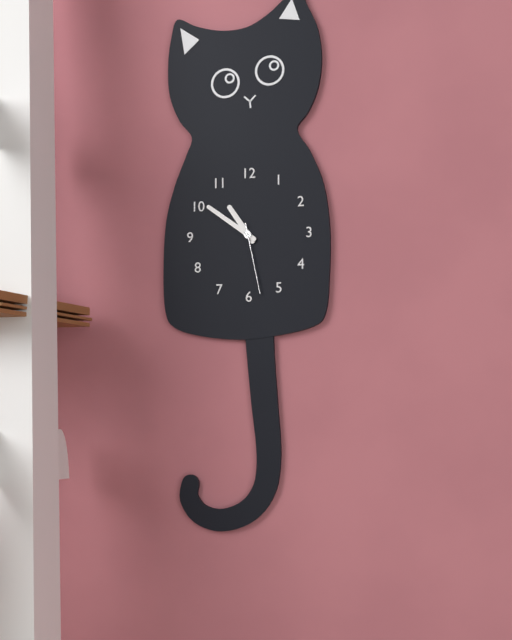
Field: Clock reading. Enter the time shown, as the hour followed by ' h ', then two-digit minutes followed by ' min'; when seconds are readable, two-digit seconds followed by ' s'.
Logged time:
10 h 51 min 28 s
